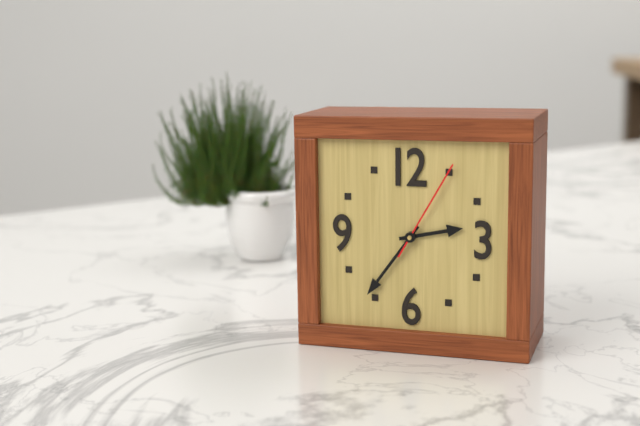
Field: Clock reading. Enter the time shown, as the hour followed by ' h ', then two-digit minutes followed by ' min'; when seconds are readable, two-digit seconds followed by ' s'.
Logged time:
2 h 36 min 05 s
